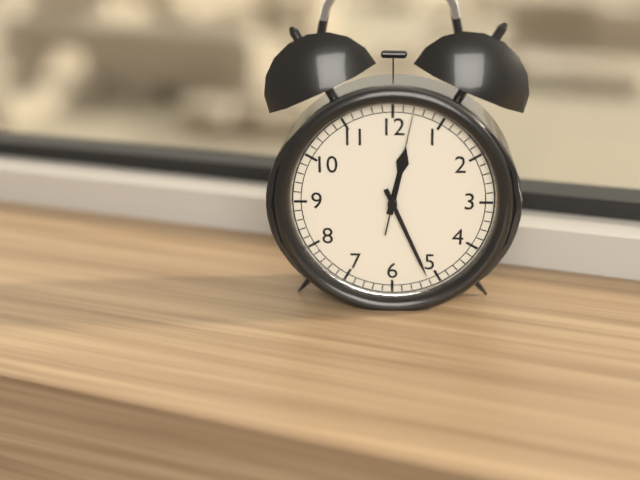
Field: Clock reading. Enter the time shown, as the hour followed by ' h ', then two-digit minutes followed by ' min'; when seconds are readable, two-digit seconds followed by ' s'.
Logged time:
12 h 26 min 02 s
